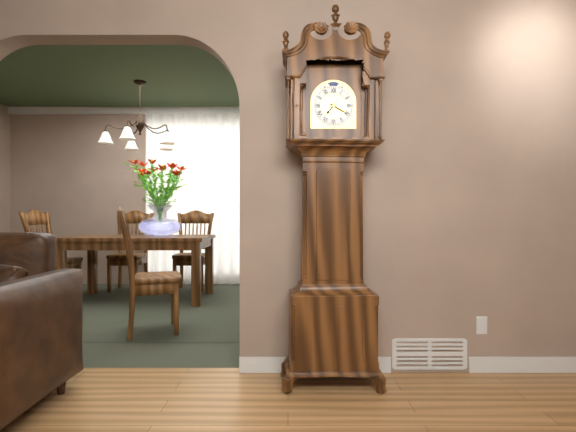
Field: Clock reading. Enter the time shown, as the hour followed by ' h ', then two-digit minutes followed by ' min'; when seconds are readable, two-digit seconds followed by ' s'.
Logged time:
7 h 20 min
